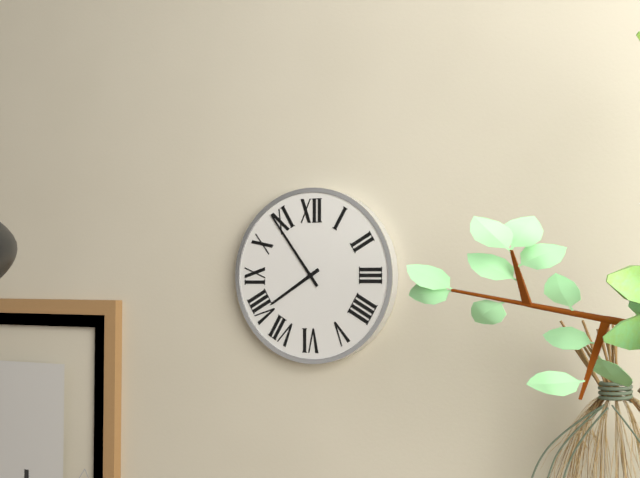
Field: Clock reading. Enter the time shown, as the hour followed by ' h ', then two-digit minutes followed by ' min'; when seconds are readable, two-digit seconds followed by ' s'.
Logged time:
7 h 54 min
